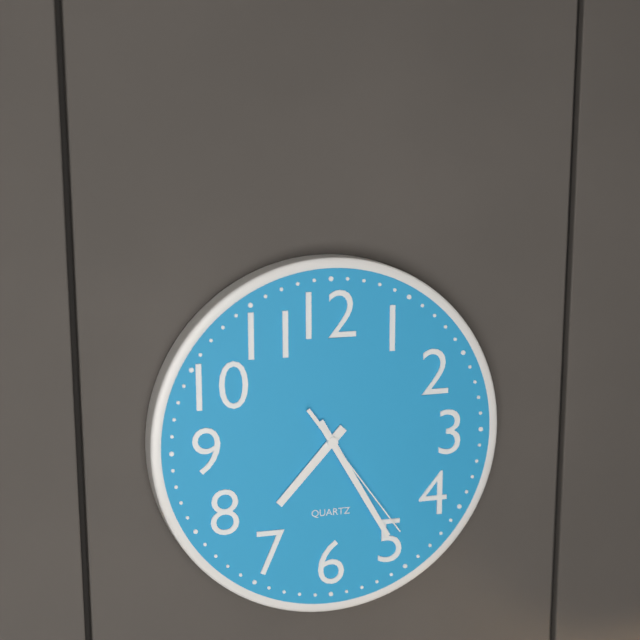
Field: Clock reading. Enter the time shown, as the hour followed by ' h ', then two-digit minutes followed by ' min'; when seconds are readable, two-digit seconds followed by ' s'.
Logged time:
7 h 25 min 24 s
